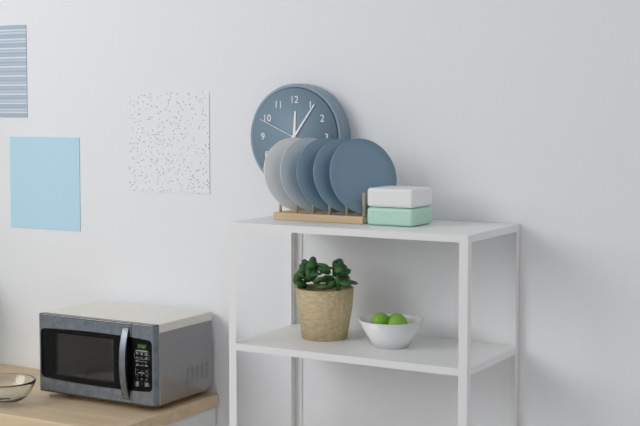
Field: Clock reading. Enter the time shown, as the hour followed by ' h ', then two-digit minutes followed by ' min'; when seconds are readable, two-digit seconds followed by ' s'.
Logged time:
12 h 06 min
